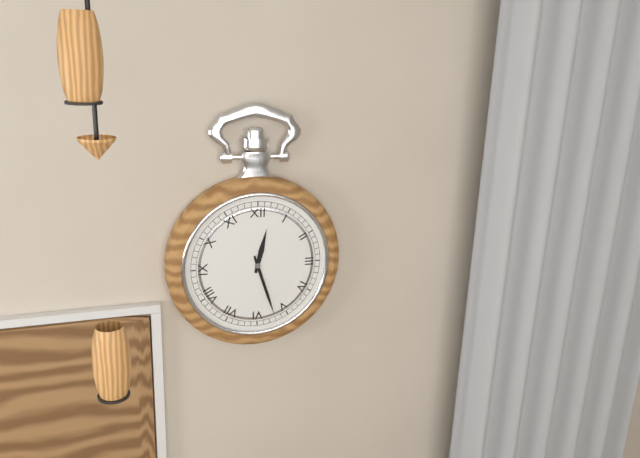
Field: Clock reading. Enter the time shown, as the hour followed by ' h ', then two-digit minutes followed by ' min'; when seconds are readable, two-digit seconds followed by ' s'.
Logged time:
12 h 27 min
